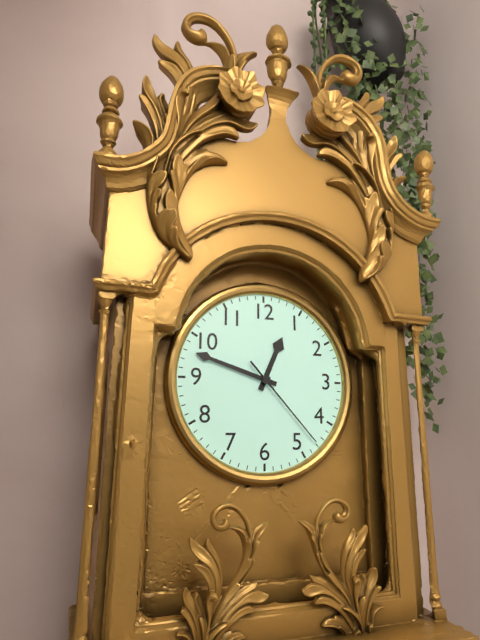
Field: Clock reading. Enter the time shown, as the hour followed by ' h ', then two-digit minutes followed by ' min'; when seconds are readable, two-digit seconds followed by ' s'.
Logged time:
12 h 48 min 23 s
